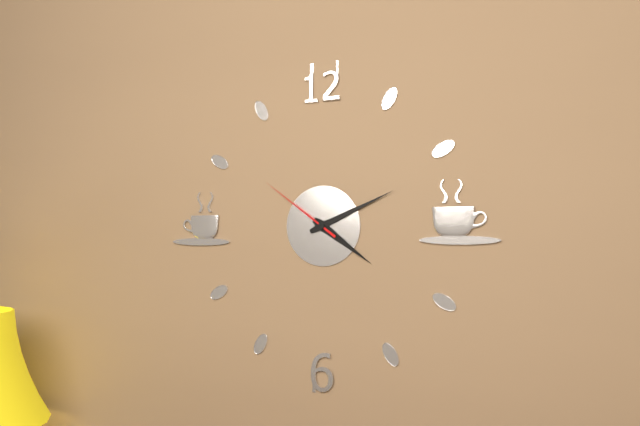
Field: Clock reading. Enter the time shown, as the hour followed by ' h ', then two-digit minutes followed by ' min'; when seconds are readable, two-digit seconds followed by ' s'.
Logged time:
4 h 11 min 51 s
